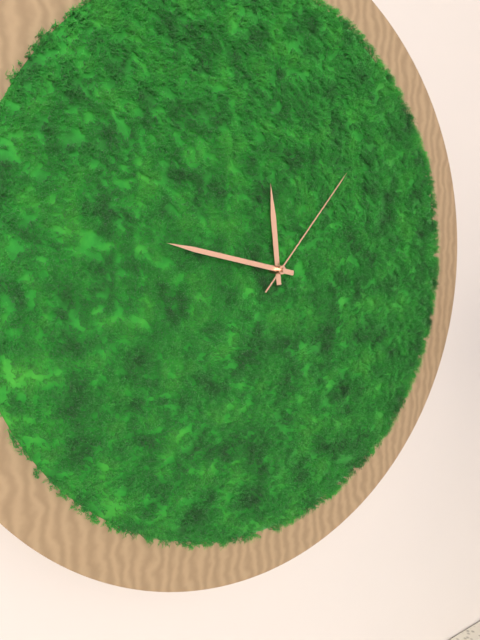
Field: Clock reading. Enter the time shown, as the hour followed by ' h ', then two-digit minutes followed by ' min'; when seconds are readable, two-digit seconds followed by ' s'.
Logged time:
11 h 47 min 07 s
